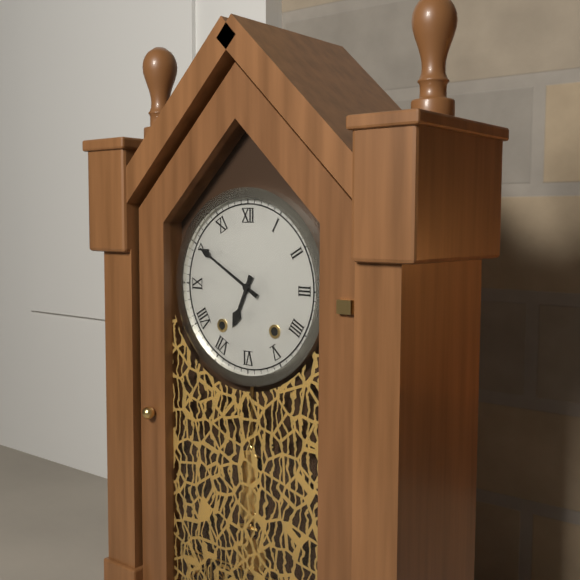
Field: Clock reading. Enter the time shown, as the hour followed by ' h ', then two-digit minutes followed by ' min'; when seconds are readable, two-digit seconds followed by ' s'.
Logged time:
6 h 50 min
